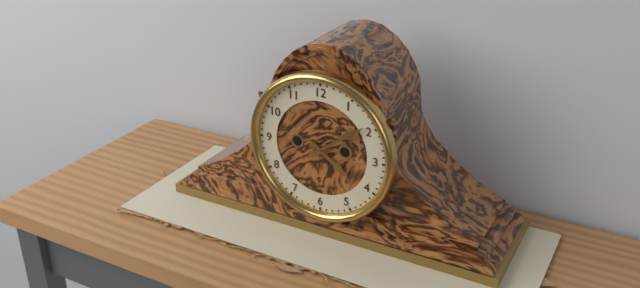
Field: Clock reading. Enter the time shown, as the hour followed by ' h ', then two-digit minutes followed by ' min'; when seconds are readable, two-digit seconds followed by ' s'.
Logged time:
4 h 09 min
